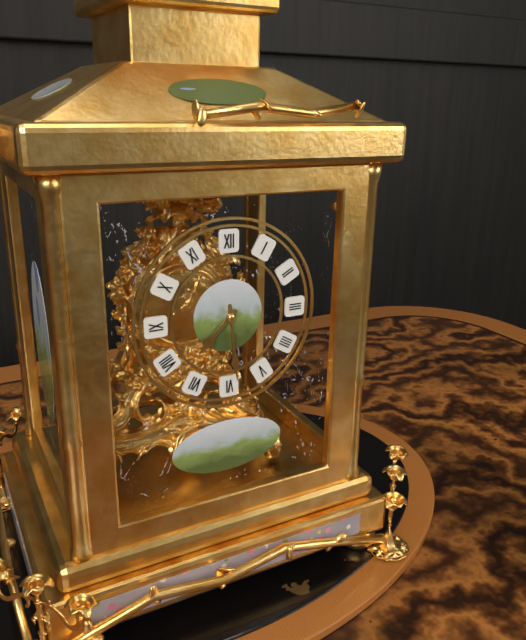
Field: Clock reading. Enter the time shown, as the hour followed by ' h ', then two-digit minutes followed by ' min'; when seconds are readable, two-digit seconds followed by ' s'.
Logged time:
7 h 29 min
